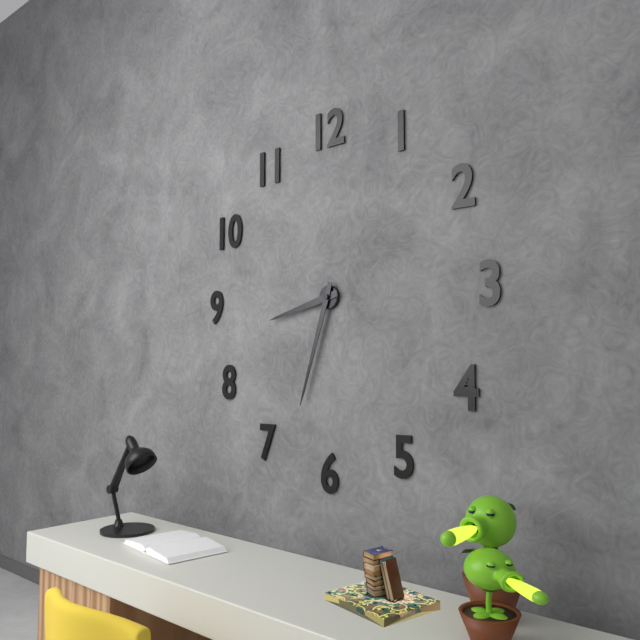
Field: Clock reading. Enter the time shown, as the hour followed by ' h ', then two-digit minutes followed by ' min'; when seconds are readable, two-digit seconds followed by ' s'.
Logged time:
8 h 33 min
